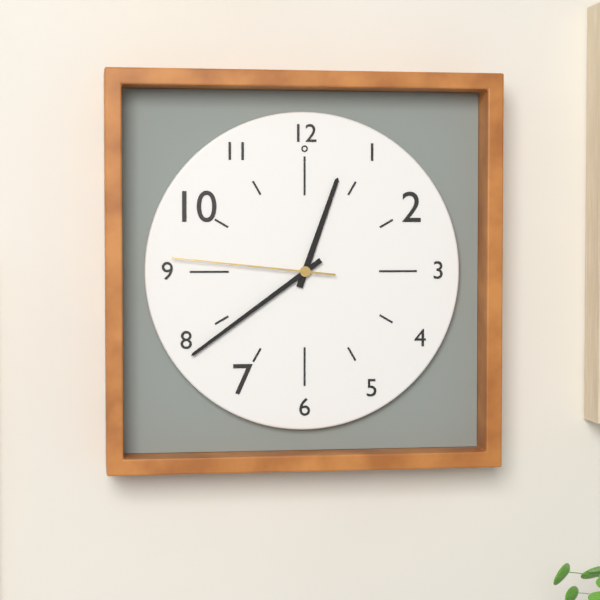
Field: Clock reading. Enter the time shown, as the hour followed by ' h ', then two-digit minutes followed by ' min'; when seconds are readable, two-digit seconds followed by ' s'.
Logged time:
12 h 39 min 46 s
